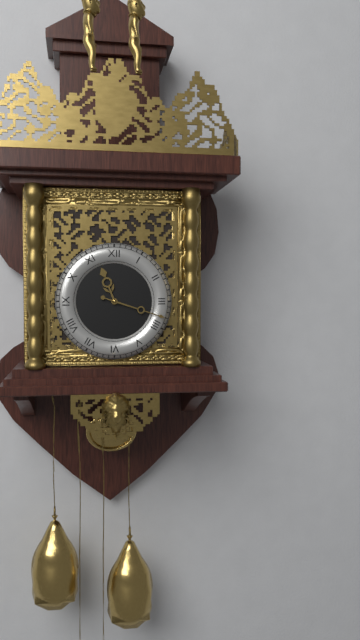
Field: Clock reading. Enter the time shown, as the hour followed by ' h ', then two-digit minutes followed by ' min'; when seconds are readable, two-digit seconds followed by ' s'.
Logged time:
11 h 18 min
